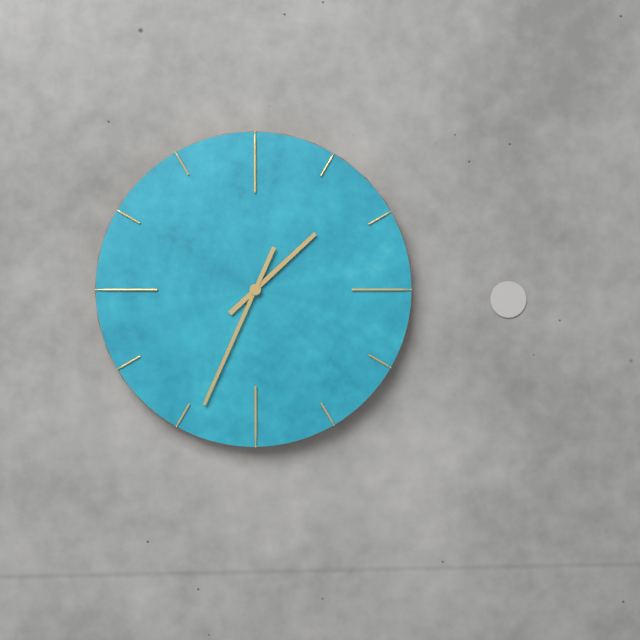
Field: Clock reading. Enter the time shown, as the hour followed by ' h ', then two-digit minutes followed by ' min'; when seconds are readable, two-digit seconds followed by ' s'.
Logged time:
1 h 34 min
